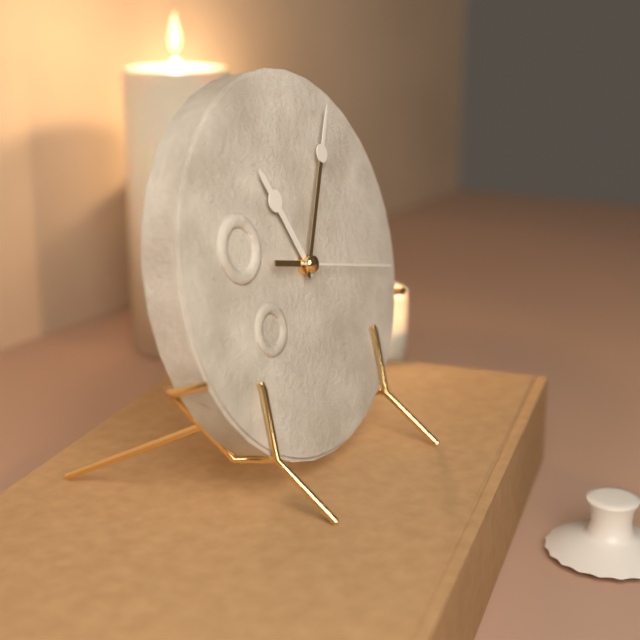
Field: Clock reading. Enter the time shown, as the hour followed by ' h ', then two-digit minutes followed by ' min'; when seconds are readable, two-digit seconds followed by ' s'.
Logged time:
11 h 05 min 17 s
